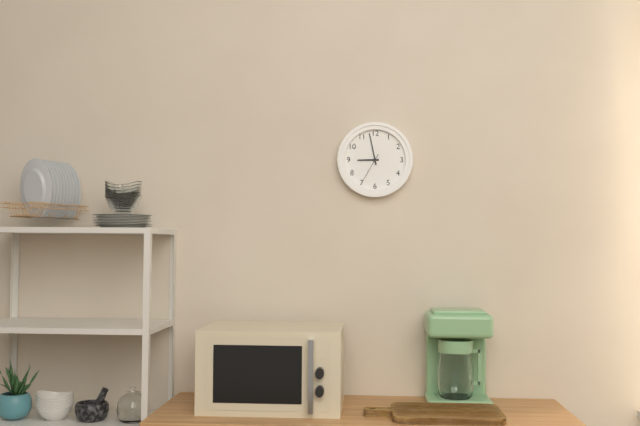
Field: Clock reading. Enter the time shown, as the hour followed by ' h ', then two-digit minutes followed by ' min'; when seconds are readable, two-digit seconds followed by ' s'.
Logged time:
8 h 58 min
